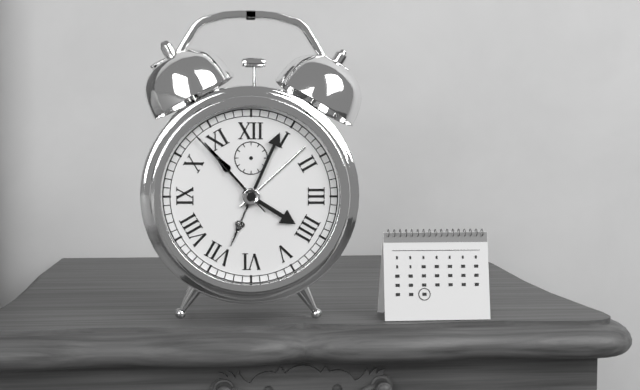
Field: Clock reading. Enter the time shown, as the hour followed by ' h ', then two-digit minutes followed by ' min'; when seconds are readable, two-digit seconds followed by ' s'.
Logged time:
4 h 04 min 53 s
